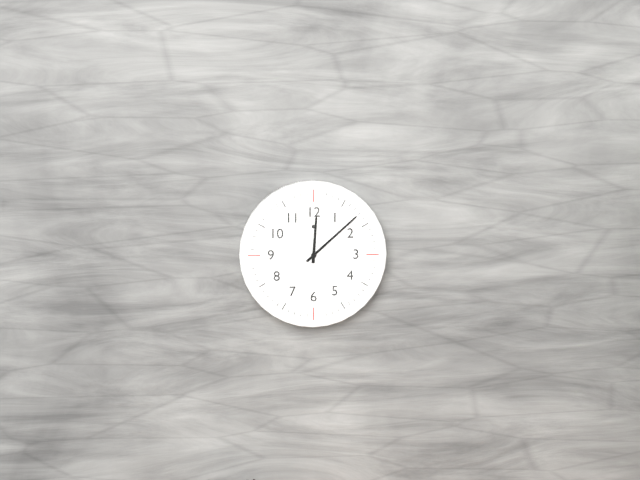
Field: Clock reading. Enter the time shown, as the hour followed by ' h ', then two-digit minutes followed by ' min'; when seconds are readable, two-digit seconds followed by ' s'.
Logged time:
12 h 08 min
